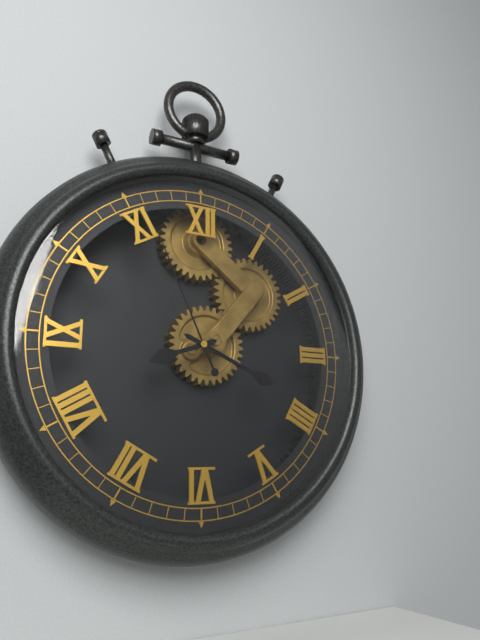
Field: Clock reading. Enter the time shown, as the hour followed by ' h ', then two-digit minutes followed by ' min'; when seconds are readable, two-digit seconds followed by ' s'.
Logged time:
8 h 19 min 56 s
